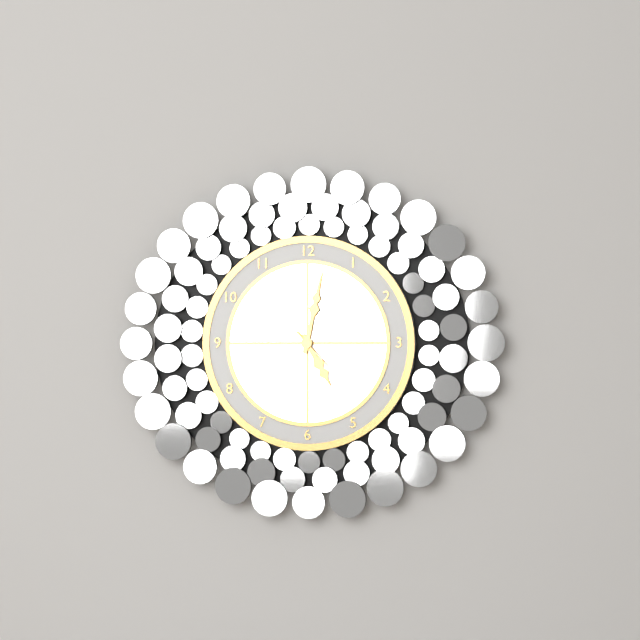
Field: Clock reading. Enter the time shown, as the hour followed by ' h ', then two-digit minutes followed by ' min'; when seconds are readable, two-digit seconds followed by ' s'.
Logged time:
5 h 02 min 23 s
